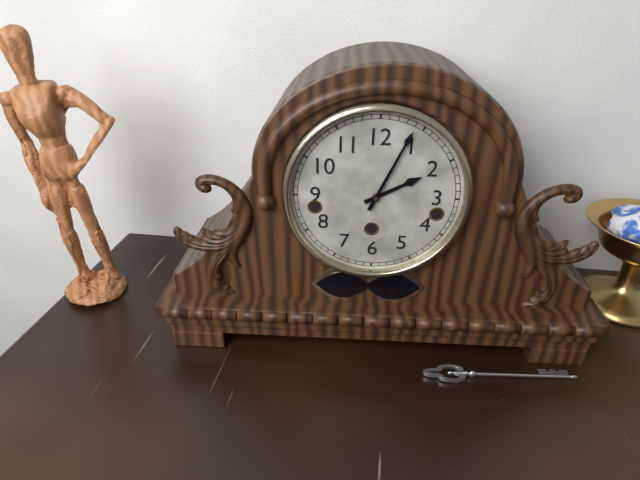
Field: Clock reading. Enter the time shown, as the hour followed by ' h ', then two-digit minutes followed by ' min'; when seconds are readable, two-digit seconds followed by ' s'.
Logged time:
2 h 04 min
